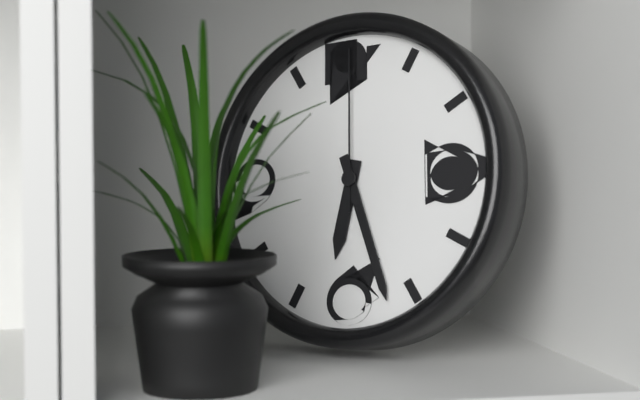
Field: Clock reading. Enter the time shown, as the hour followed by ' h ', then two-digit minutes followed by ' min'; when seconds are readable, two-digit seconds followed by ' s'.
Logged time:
6 h 27 min 00 s
